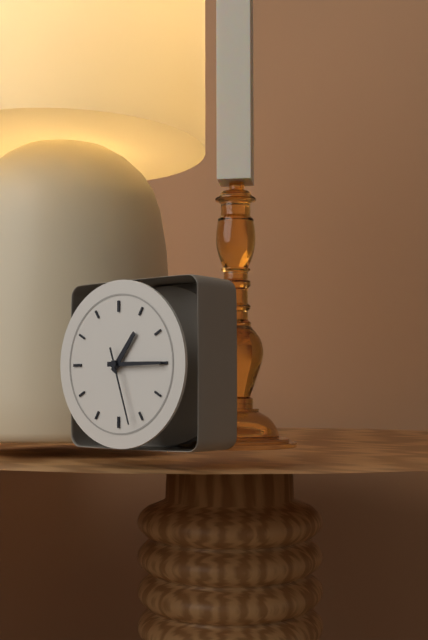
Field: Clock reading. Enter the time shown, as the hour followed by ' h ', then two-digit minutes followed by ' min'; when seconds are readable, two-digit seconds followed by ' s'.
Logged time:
1 h 15 min 27 s
